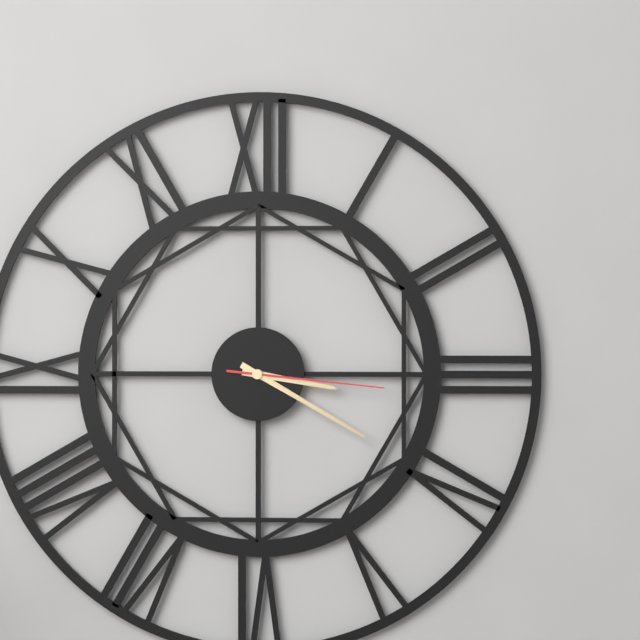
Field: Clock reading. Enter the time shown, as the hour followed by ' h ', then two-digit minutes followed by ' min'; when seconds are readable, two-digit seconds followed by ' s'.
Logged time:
3 h 20 min 16 s
